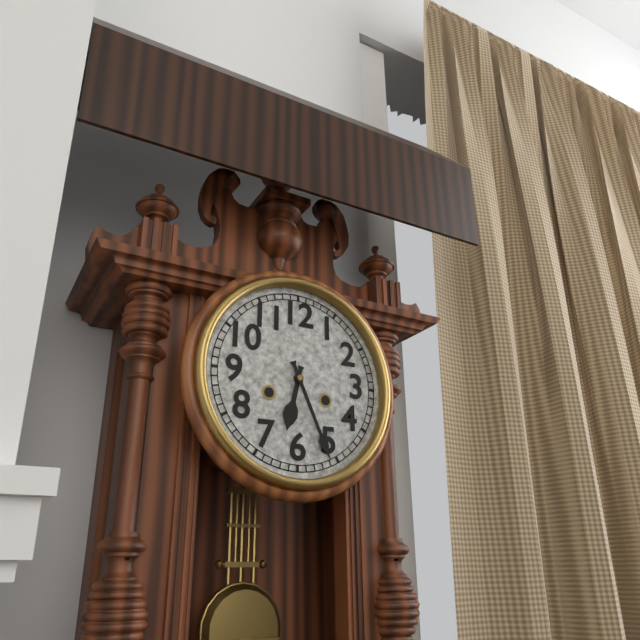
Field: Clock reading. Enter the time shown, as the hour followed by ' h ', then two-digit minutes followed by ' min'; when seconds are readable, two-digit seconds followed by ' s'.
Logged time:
6 h 26 min
